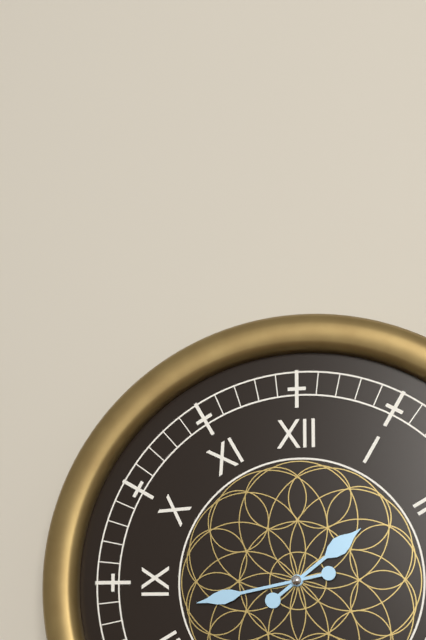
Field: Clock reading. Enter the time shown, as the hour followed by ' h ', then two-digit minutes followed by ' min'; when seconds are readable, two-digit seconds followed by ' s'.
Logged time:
1 h 43 min
